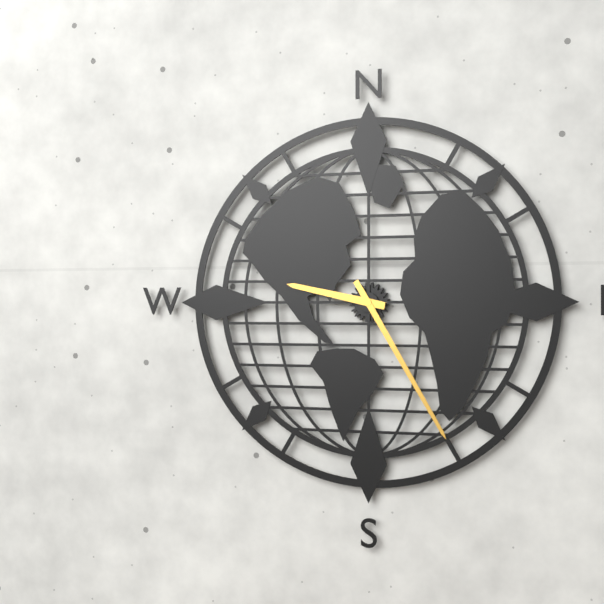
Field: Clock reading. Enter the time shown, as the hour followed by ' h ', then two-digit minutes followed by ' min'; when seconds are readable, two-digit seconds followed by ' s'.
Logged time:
9 h 25 min
